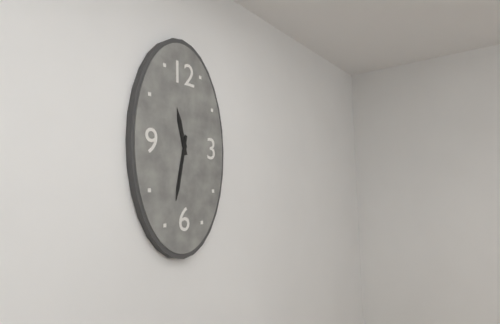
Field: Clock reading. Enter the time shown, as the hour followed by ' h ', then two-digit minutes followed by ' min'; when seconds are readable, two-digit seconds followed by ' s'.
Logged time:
11 h 32 min
